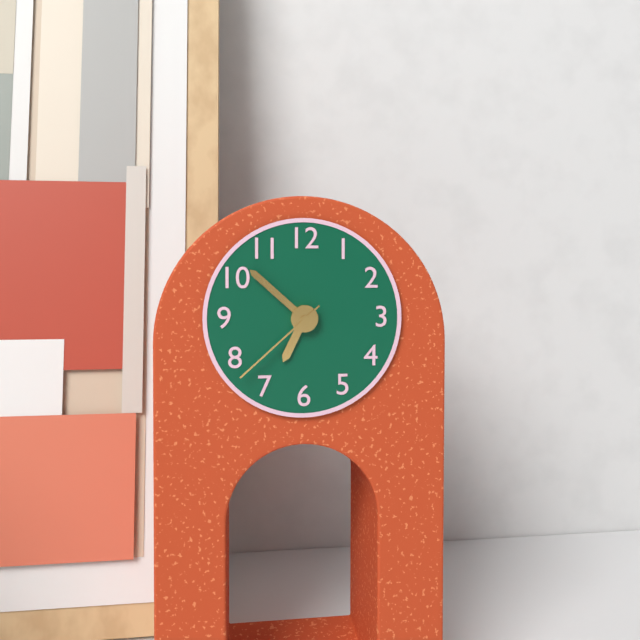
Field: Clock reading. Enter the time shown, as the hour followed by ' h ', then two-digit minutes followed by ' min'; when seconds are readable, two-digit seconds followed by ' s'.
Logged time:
6 h 52 min 38 s
